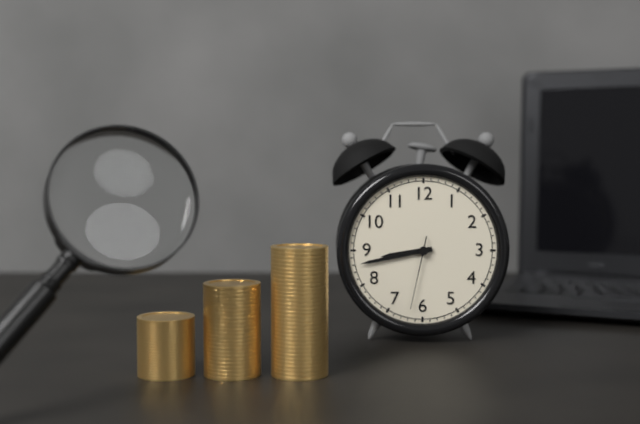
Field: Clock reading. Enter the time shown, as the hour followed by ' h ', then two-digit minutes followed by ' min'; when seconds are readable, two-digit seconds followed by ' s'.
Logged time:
8 h 43 min 32 s
